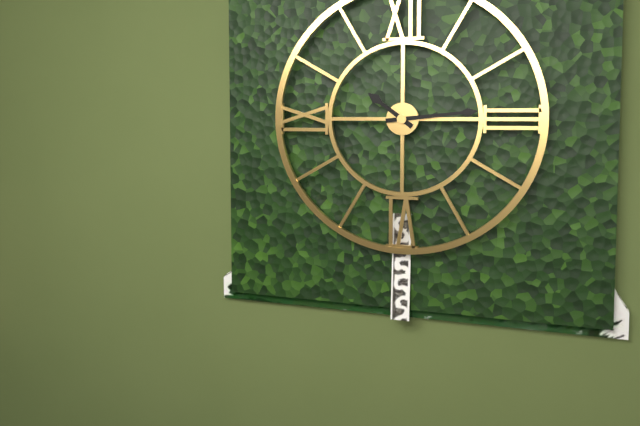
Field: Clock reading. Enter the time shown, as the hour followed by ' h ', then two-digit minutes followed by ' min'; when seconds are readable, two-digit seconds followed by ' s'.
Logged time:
10 h 14 min
